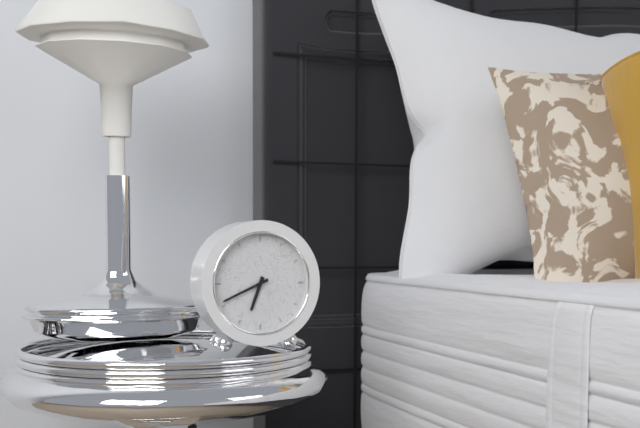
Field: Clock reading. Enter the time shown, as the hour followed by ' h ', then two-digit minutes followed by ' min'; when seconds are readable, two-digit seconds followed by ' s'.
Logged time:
6 h 41 min
